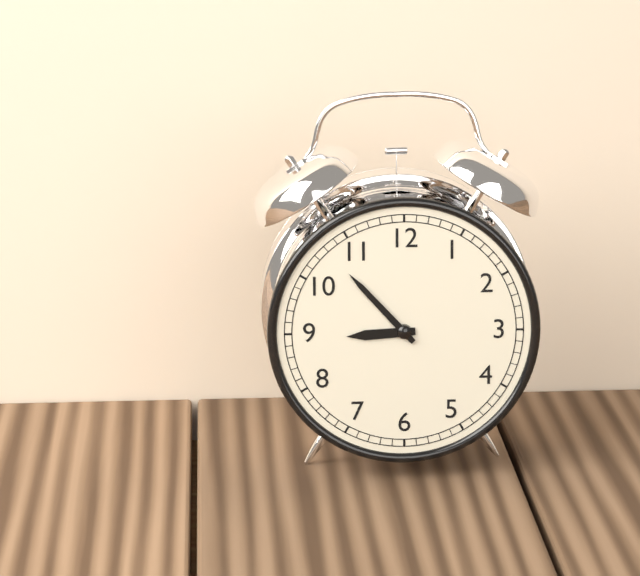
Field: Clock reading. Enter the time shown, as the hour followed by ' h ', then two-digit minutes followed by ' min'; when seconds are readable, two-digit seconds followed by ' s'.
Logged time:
8 h 53 min
